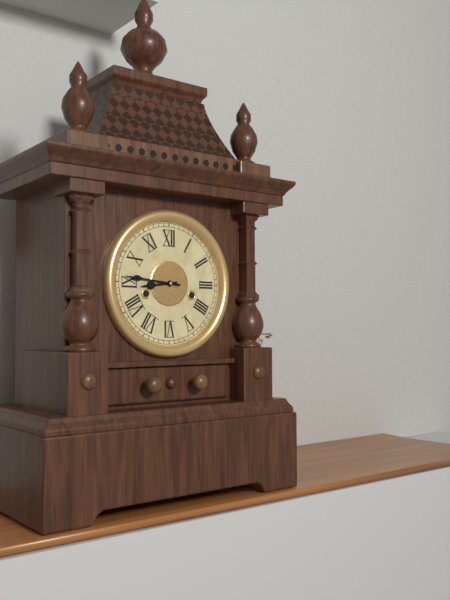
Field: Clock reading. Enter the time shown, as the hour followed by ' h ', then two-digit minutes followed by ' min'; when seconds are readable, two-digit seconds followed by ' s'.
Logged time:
8 h 46 min
